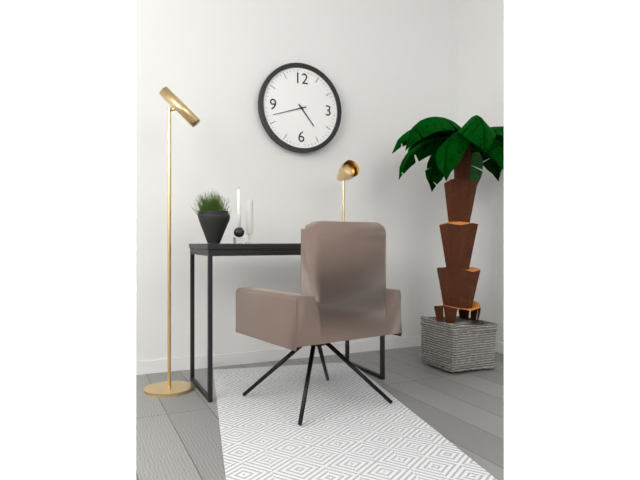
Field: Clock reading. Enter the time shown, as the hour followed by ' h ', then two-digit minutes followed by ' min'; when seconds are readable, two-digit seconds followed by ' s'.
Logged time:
4 h 42 min
